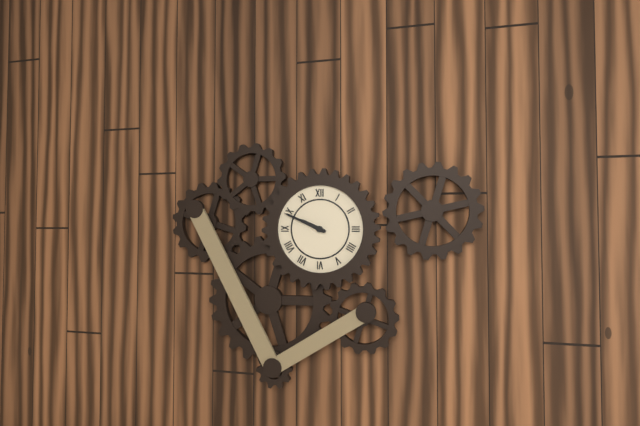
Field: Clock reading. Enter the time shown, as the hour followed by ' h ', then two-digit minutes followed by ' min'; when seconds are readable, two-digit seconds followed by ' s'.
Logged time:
9 h 49 min
